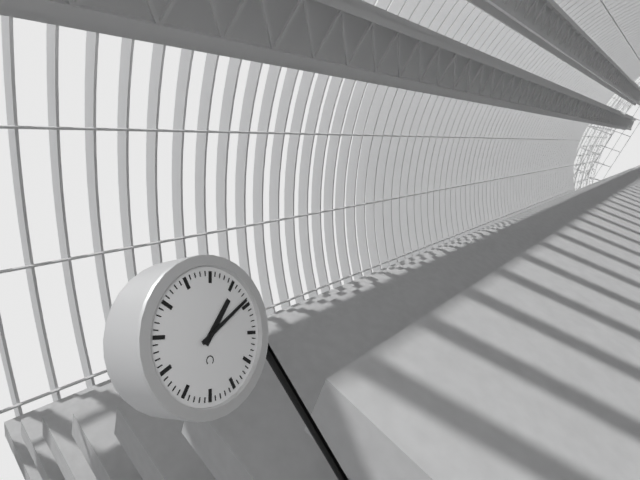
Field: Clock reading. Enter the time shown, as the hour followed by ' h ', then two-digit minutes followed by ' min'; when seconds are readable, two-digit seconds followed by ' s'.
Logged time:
1 h 09 min
